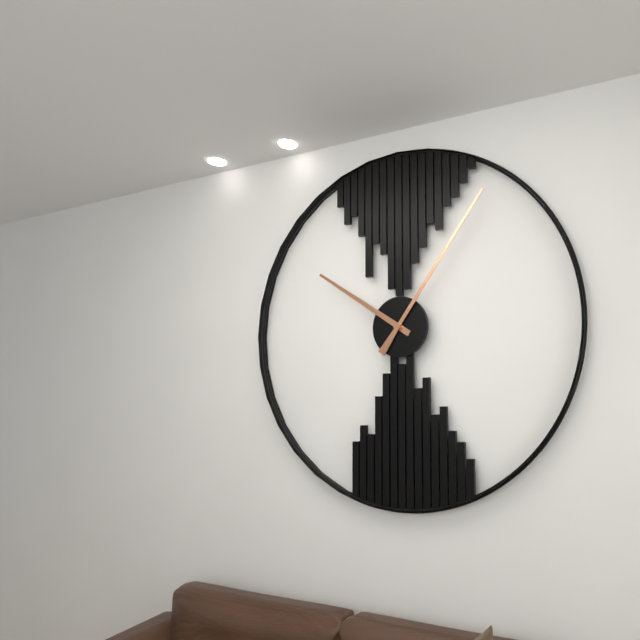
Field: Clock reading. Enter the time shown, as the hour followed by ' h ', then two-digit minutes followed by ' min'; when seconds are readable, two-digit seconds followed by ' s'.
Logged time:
10 h 06 min
